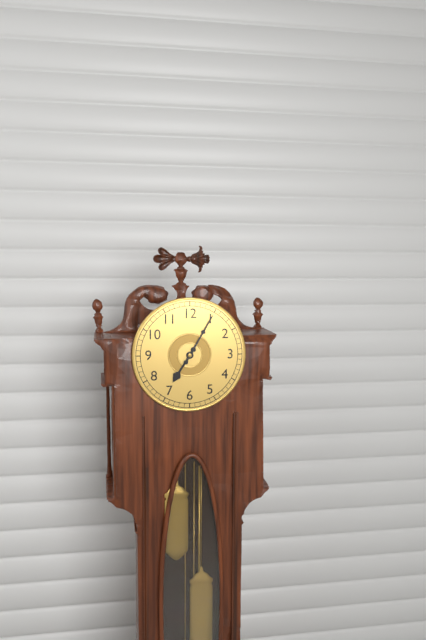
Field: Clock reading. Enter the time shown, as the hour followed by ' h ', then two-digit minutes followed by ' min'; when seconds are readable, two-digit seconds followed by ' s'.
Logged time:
7 h 05 min
